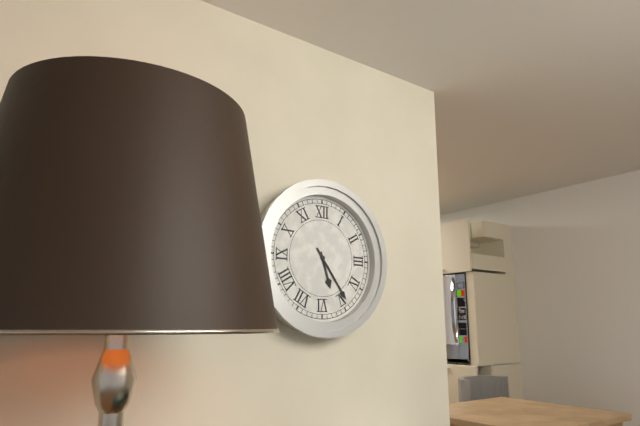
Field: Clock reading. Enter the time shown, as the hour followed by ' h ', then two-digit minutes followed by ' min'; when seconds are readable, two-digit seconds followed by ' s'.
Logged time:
5 h 24 min
